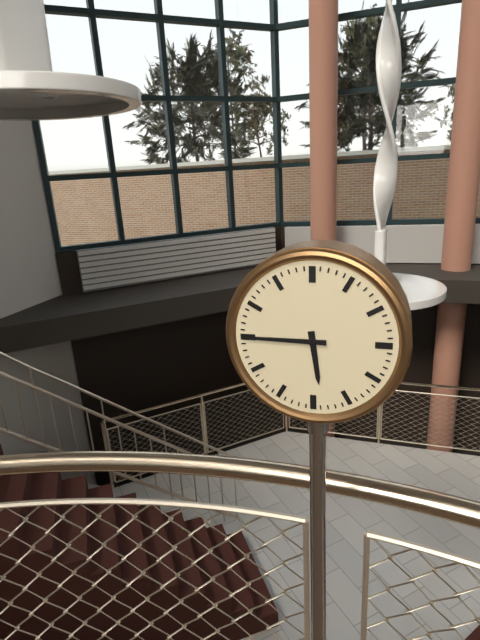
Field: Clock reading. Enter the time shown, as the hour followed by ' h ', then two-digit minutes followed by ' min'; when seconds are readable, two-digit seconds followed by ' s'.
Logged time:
5 h 45 min
